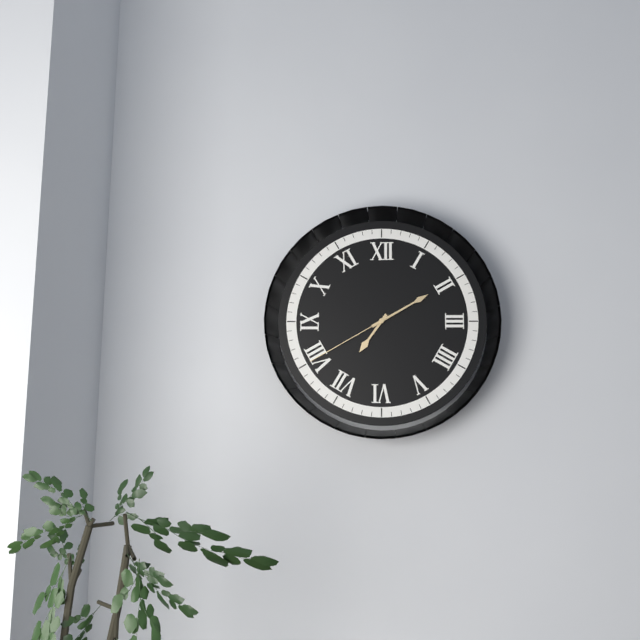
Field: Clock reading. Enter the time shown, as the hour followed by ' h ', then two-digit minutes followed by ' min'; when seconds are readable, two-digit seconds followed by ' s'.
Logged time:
7 h 10 min 40 s
